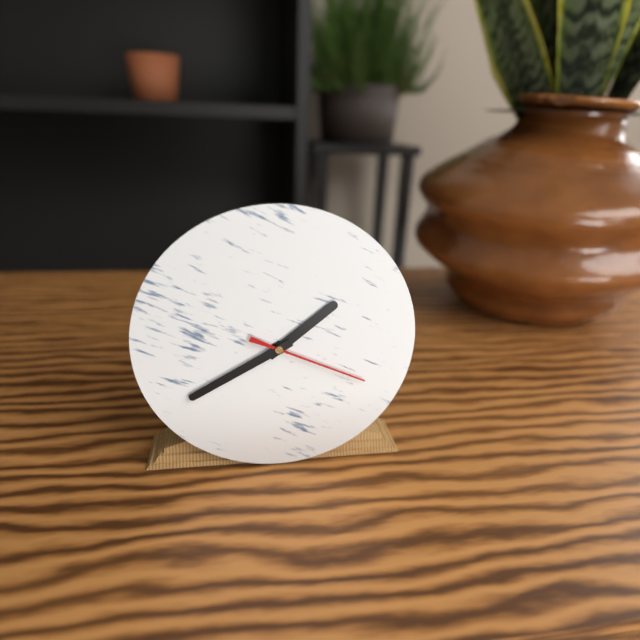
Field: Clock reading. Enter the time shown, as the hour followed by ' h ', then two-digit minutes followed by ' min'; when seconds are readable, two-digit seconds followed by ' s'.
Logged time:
1 h 40 min 19 s
